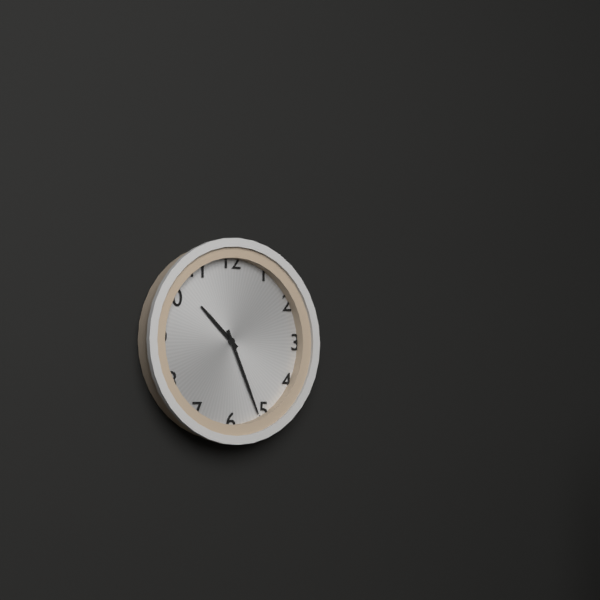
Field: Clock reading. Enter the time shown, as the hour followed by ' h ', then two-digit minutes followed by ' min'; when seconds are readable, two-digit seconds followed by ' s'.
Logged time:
10 h 26 min
